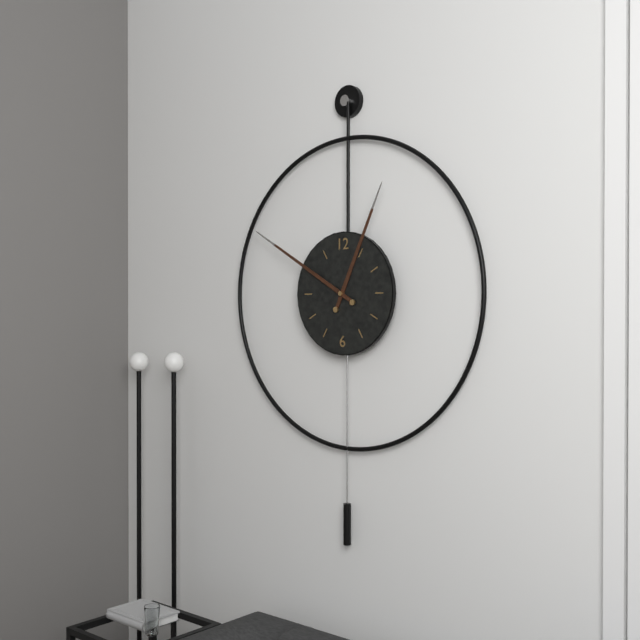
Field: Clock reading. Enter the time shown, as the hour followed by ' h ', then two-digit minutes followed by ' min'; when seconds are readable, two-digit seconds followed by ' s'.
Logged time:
12 h 50 min
